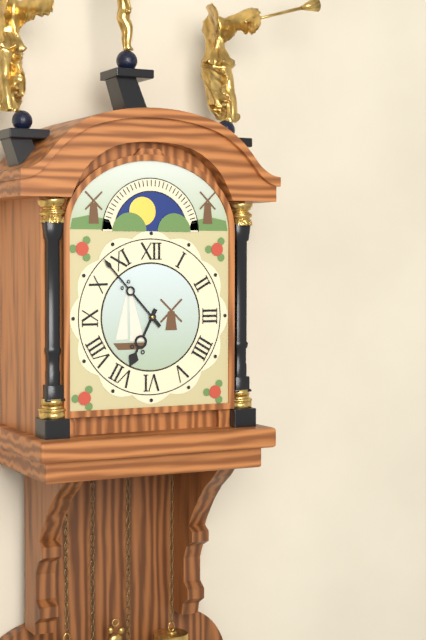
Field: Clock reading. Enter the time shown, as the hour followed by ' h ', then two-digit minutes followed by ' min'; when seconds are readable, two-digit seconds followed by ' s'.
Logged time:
6 h 53 min
